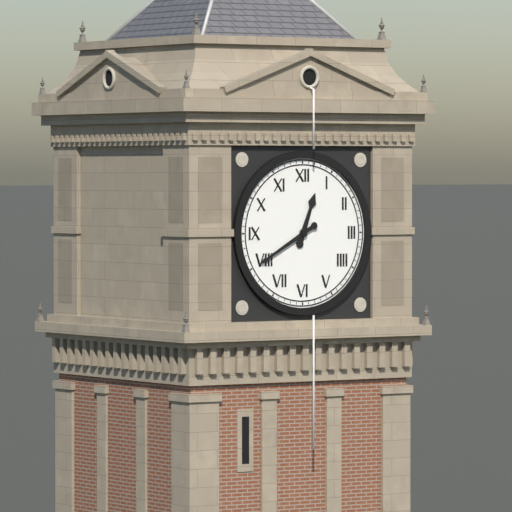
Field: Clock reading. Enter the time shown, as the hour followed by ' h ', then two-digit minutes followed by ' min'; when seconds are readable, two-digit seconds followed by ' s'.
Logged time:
12 h 40 min
